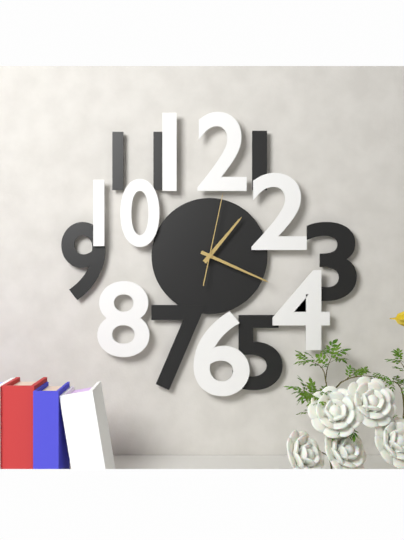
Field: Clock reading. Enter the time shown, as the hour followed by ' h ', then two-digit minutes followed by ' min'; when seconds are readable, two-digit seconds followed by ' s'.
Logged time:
1 h 19 min 02 s
